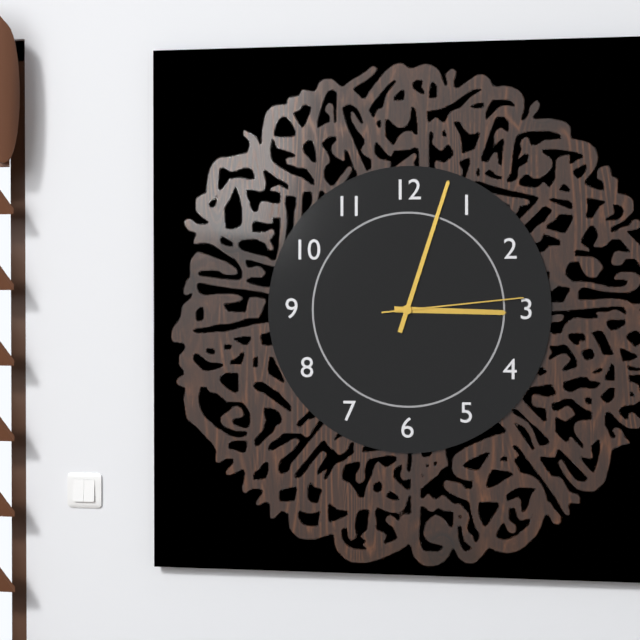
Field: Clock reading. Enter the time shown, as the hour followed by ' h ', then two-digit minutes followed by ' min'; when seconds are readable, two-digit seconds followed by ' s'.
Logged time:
3 h 03 min 14 s
